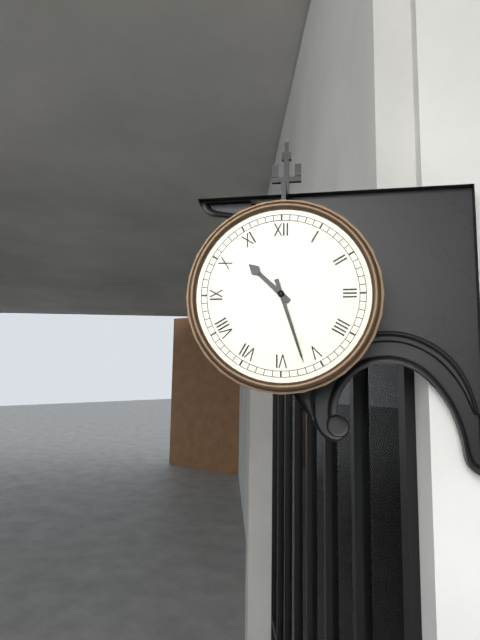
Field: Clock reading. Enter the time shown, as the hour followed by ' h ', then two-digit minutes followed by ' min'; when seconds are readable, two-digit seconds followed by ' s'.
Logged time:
10 h 27 min
